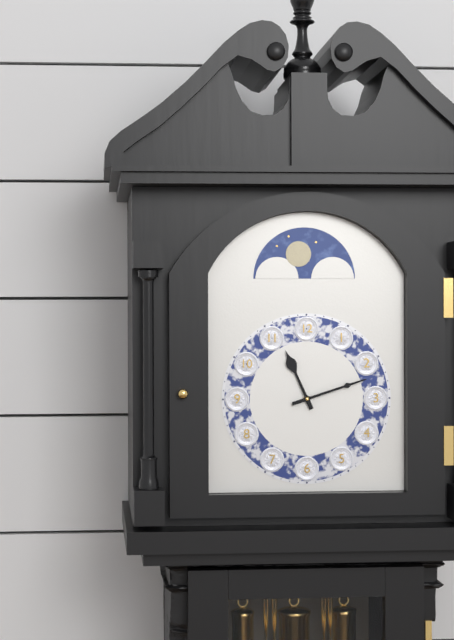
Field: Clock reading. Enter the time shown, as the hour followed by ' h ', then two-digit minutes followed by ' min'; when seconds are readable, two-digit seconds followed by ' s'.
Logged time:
11 h 12 min
